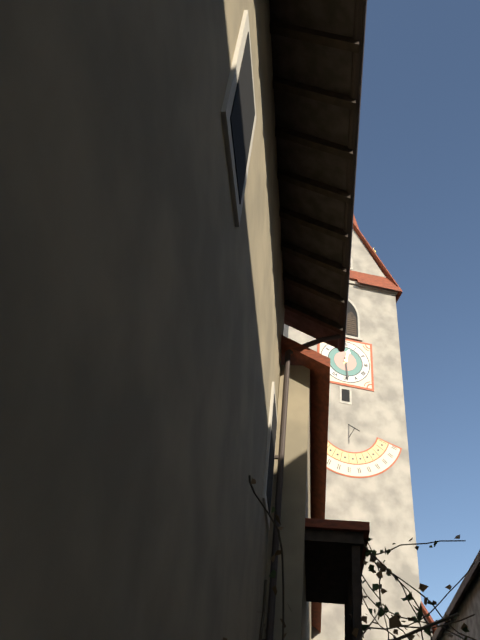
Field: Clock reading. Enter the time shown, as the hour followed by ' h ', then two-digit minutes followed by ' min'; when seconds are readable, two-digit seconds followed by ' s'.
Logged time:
12 h 29 min
